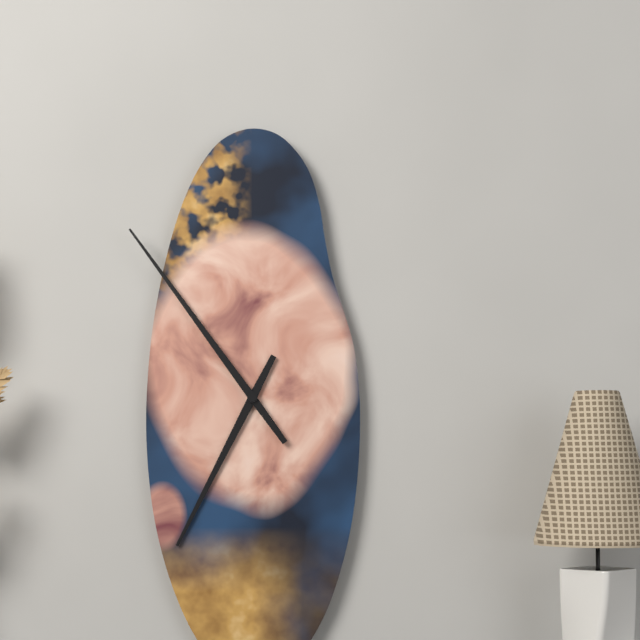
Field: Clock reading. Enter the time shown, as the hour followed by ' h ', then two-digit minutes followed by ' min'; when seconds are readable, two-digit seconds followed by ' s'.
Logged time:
6 h 54 min
